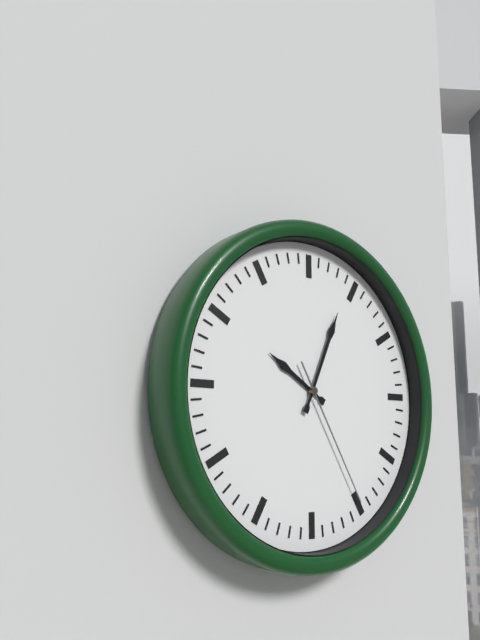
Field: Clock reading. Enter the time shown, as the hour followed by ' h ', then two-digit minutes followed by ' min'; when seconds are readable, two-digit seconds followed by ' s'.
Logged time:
10 h 04 min 25 s
